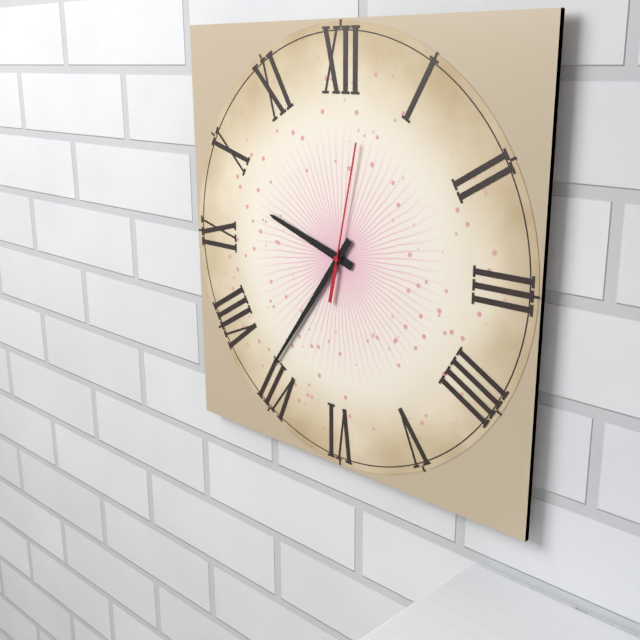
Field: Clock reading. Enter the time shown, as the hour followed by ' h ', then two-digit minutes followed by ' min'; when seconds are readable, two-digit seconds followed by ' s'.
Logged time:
9 h 36 min 02 s
